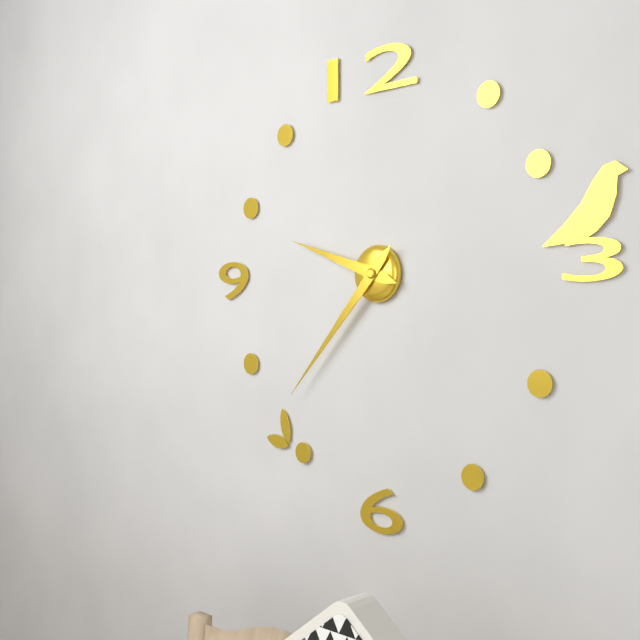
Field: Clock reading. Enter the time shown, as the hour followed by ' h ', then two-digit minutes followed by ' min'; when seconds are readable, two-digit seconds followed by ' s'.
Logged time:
9 h 37 min
